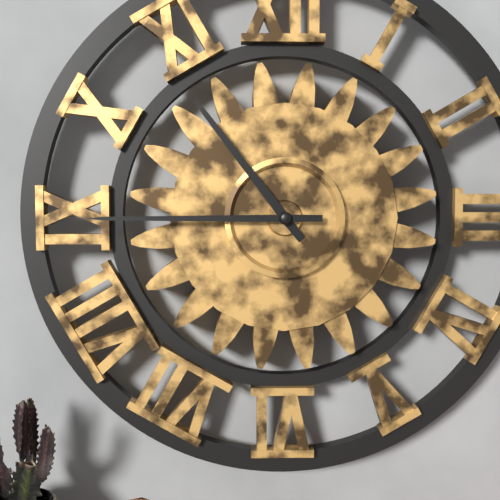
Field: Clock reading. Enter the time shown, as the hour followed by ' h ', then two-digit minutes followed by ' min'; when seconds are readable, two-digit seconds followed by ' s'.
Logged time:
10 h 45 min
